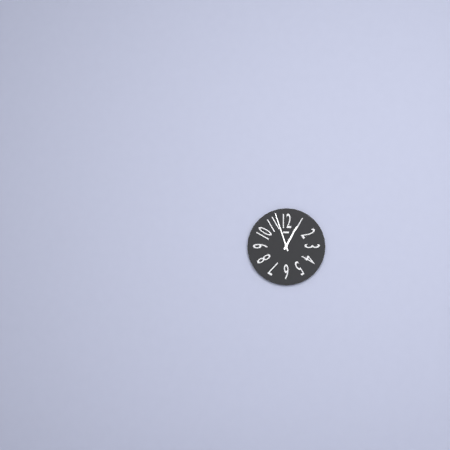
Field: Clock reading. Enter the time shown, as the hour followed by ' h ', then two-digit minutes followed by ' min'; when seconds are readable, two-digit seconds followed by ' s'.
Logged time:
12 h 57 min
